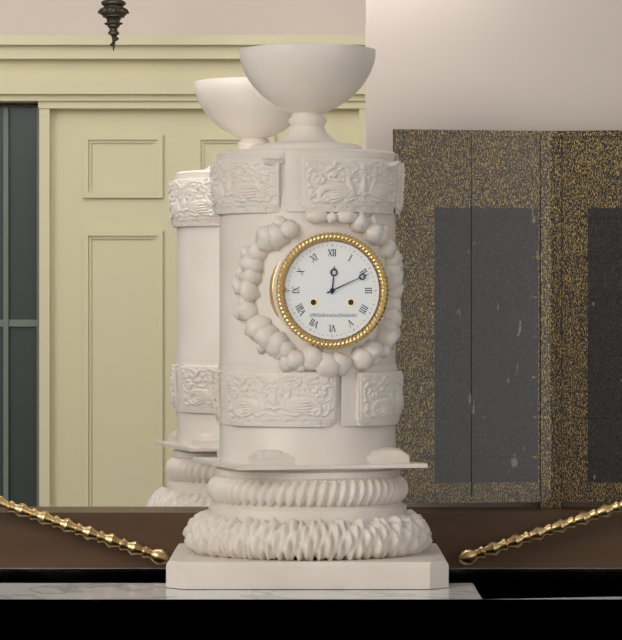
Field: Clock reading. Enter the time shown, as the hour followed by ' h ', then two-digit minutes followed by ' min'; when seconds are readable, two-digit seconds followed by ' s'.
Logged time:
12 h 11 min
